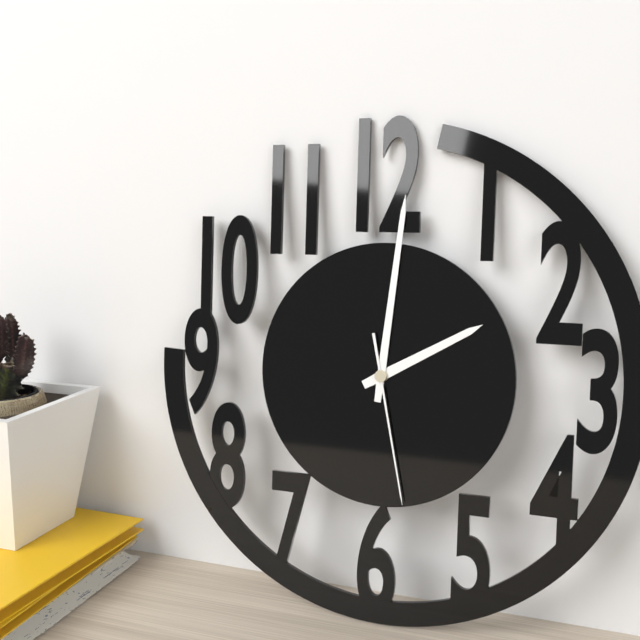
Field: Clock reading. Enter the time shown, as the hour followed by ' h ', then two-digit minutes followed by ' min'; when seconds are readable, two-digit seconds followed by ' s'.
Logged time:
2 h 01 min 28 s
